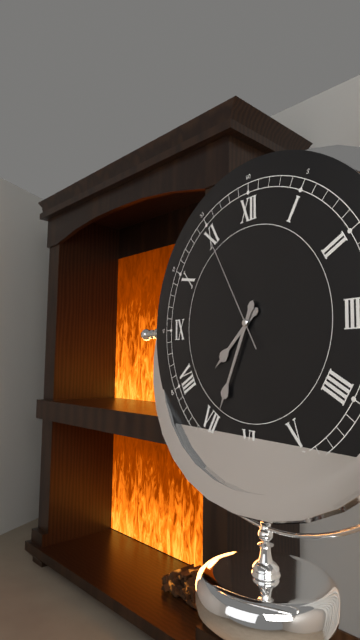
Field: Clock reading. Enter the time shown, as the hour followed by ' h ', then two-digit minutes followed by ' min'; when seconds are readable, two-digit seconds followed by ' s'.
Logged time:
7 h 34 min 55 s
